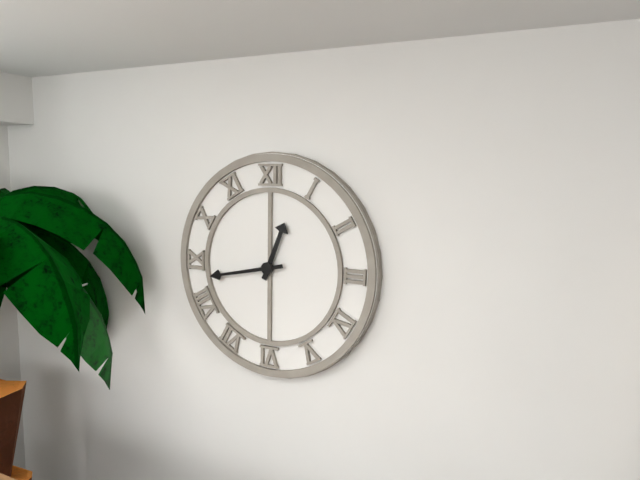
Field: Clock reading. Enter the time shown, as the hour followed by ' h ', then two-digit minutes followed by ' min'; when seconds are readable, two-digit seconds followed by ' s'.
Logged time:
12 h 43 min
